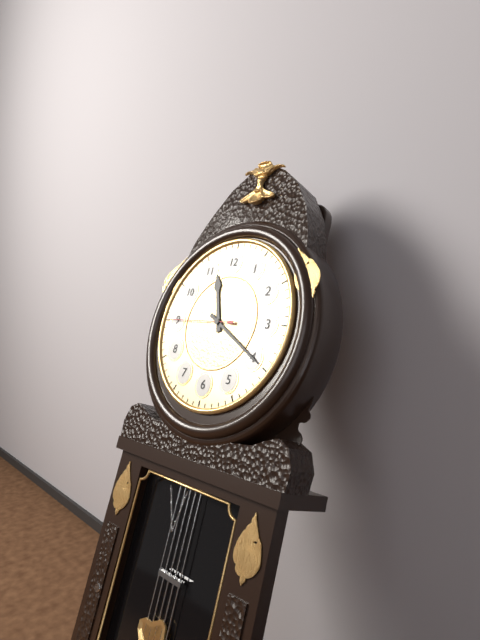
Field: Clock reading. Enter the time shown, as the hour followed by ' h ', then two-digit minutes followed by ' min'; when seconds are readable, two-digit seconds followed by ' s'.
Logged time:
11 h 20 min 45 s
